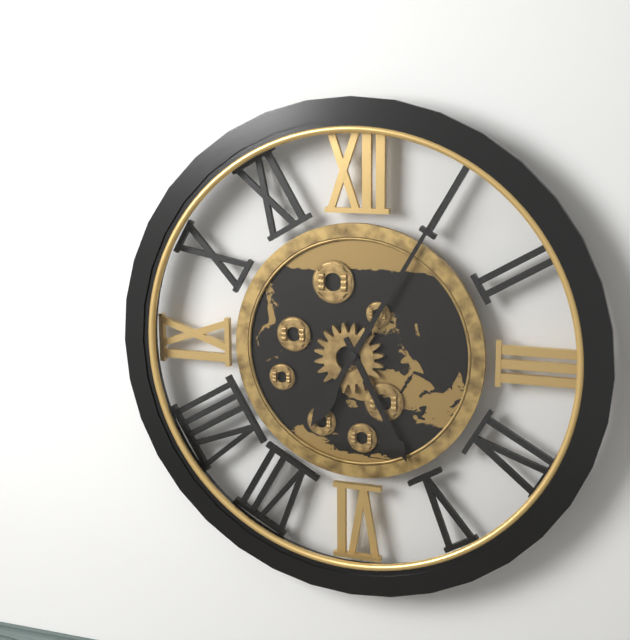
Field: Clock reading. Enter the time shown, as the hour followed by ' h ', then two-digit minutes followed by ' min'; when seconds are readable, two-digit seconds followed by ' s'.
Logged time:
5 h 05 min
